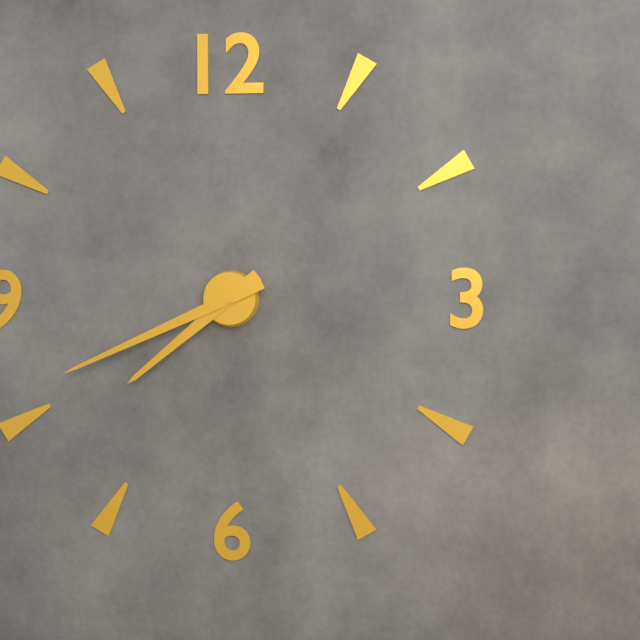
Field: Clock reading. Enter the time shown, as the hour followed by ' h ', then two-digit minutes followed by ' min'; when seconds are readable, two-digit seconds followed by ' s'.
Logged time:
7 h 41 min
